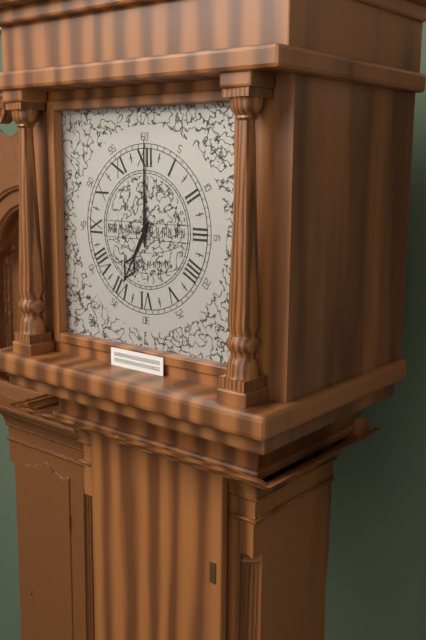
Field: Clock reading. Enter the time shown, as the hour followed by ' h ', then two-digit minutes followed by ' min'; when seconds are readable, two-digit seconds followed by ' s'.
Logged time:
7 h 00 min
